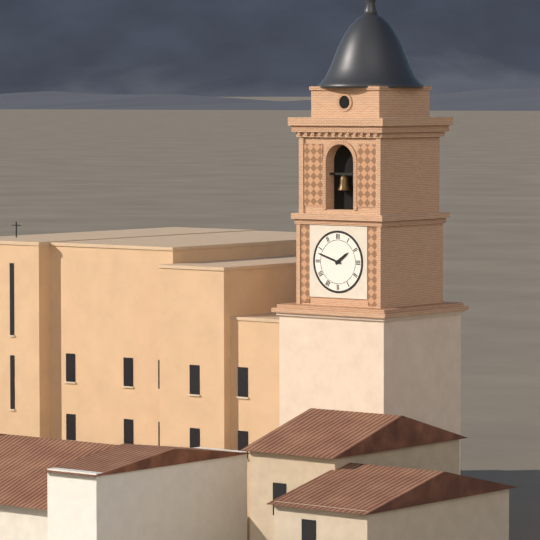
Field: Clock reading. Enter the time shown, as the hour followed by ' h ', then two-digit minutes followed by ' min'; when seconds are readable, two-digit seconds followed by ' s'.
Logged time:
1 h 48 min
